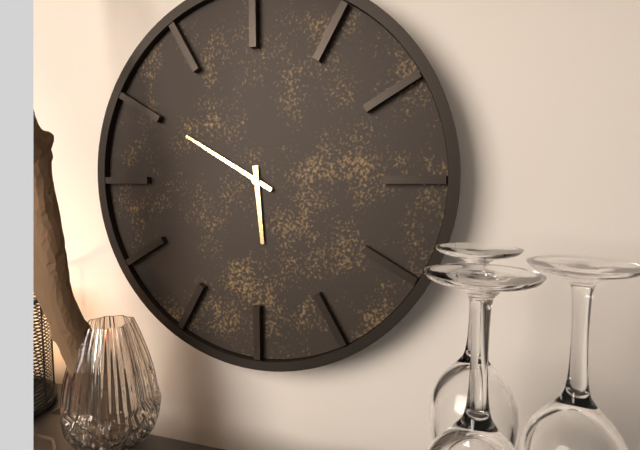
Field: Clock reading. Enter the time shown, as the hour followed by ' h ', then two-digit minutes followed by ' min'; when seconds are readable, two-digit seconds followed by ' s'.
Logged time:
5 h 50 min
